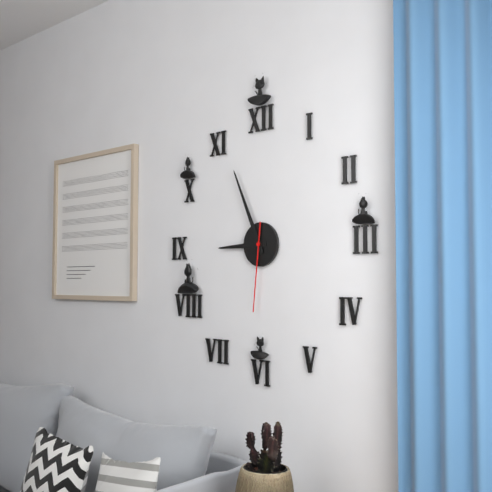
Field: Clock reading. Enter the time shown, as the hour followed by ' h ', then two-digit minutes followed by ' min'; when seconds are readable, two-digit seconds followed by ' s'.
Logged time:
8 h 56 min 31 s
